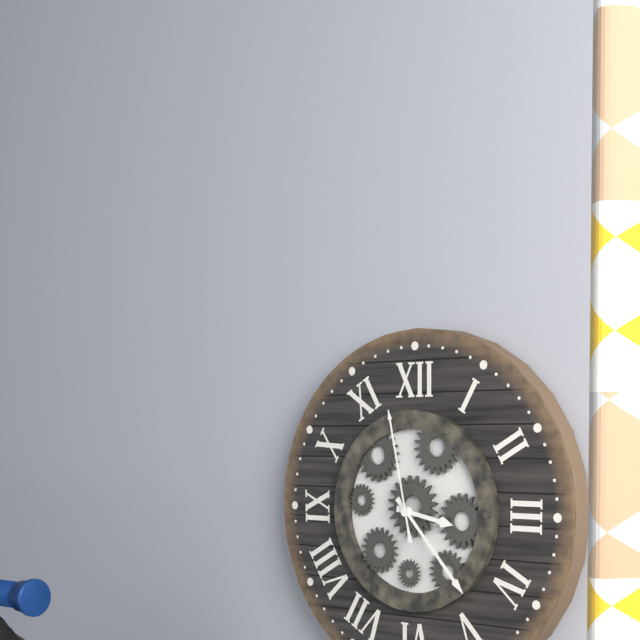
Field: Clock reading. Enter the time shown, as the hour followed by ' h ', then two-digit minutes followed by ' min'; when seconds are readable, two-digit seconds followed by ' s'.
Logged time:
3 h 23 min 58 s
